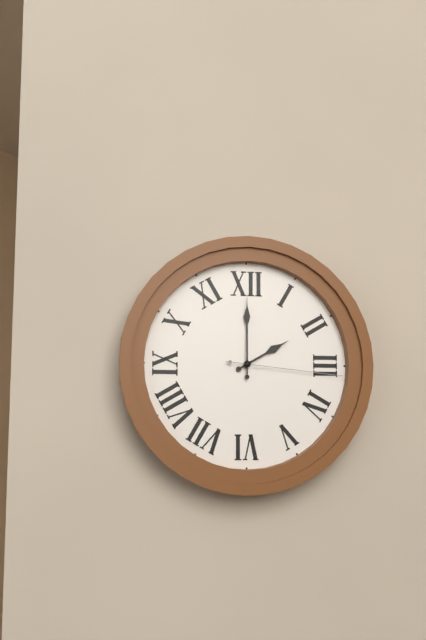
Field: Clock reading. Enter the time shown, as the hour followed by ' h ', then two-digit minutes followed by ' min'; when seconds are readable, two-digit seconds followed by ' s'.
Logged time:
2 h 00 min 16 s
